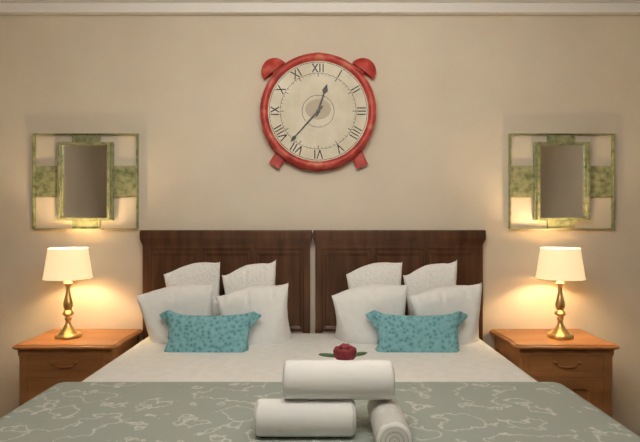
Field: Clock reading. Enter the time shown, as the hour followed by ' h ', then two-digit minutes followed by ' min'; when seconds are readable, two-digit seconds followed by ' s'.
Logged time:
12 h 37 min
